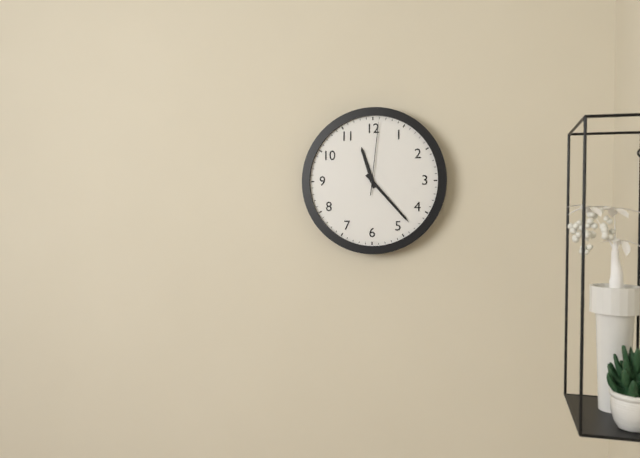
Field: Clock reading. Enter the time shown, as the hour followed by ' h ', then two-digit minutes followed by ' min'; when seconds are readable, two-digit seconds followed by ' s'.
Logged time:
11 h 23 min 01 s
